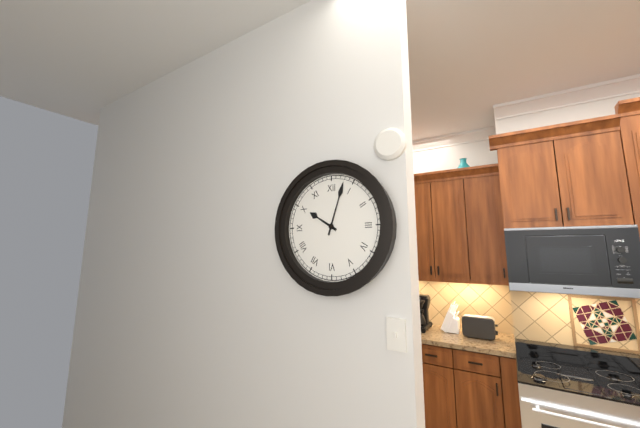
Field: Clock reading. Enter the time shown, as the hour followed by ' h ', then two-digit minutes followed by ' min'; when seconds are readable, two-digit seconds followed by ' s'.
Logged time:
10 h 03 min
